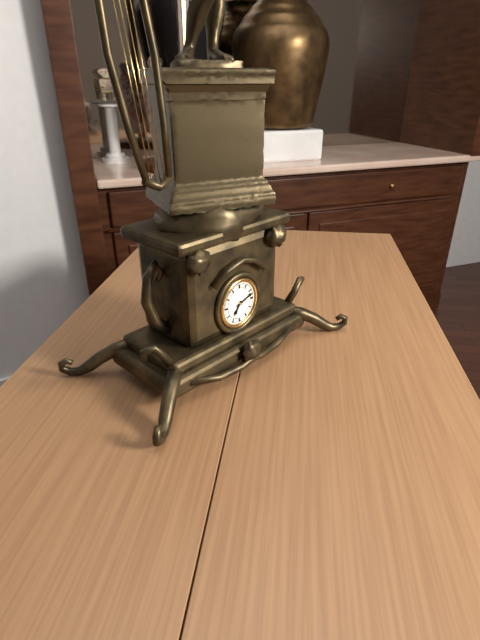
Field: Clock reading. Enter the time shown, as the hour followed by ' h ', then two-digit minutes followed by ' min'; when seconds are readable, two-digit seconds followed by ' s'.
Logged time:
7 h 12 min
